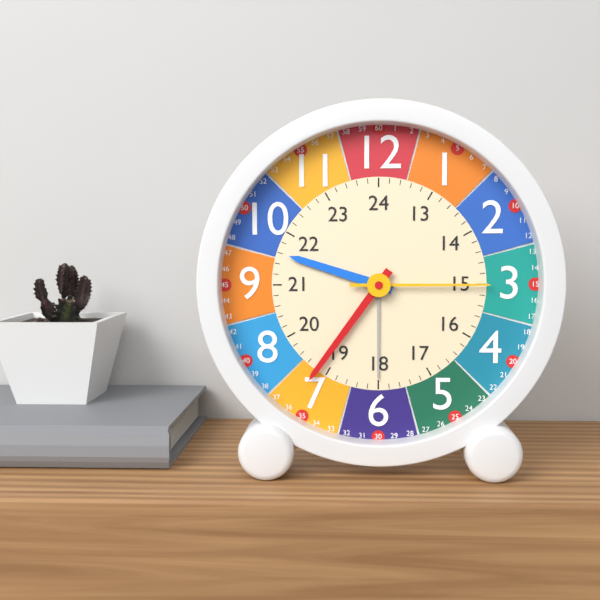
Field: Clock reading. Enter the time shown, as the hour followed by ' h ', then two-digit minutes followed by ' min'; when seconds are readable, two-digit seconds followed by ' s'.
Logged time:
9 h 36 min 15 s
